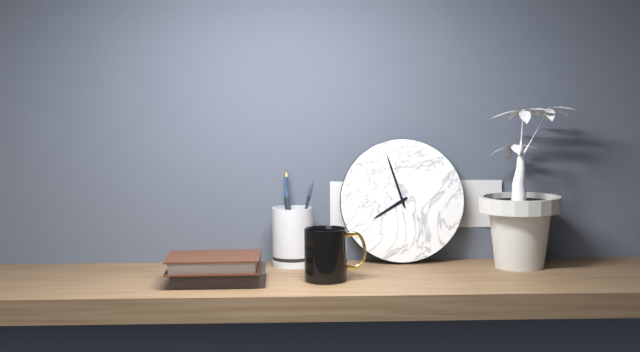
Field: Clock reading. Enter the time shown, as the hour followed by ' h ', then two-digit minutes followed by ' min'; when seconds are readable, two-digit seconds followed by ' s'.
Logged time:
7 h 57 min
